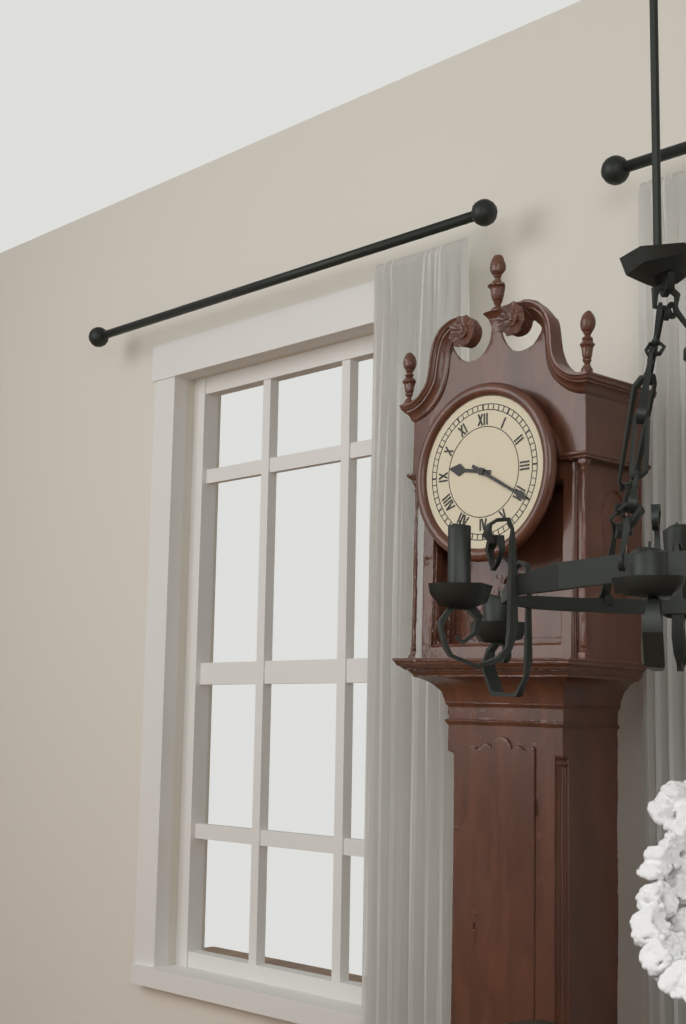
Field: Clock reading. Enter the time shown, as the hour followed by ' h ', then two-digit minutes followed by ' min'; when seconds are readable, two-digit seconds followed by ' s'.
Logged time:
9 h 20 min
